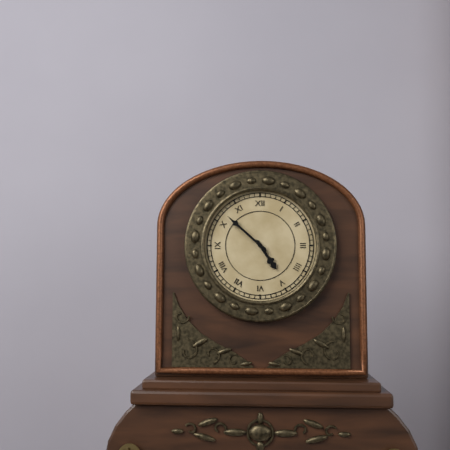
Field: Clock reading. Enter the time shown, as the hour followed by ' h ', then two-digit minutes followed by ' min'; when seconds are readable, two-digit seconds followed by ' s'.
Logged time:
4 h 52 min
